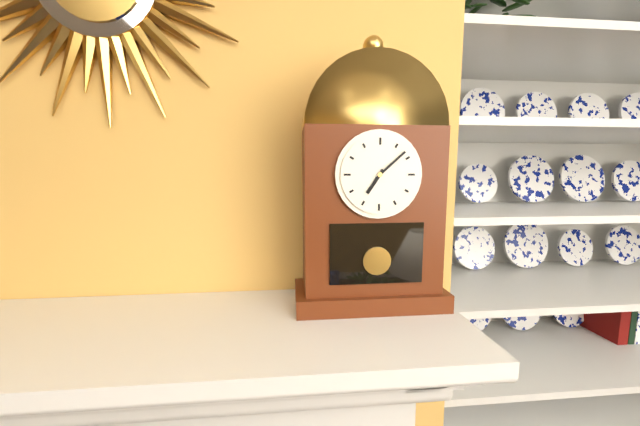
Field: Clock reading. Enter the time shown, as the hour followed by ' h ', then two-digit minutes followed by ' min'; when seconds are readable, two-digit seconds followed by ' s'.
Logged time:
7 h 08 min
